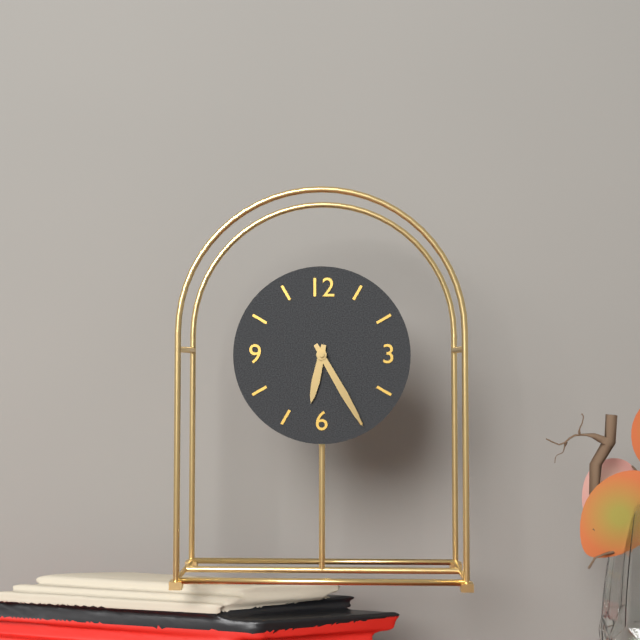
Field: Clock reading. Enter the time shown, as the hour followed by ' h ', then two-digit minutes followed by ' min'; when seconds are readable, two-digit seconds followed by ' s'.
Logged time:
6 h 25 min
